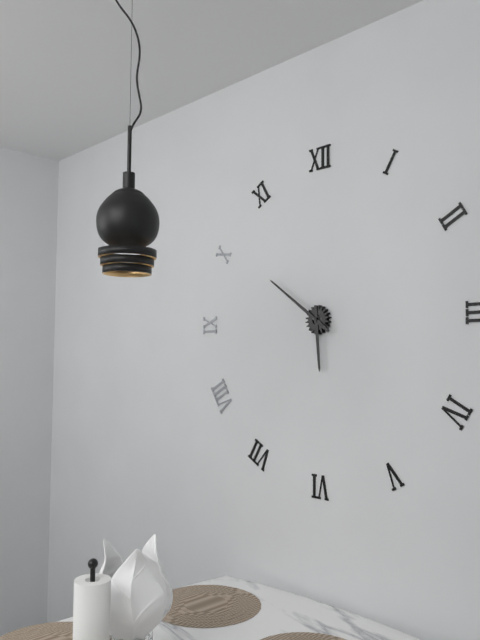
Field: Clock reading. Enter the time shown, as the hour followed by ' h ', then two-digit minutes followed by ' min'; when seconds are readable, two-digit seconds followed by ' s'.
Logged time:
5 h 51 min
